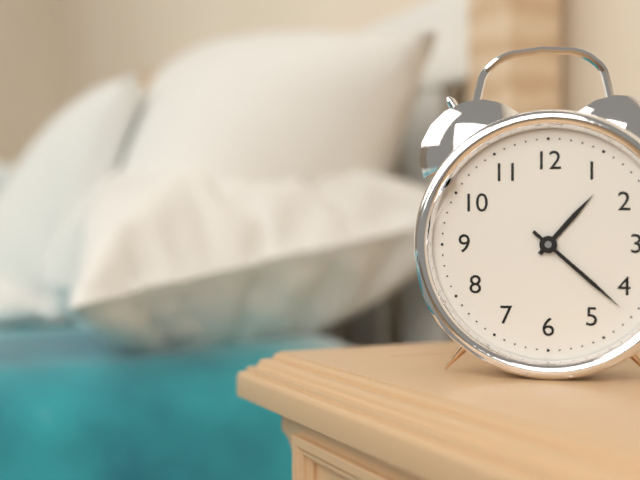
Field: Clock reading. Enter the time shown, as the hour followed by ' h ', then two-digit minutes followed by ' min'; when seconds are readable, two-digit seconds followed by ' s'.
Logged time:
1 h 22 min
